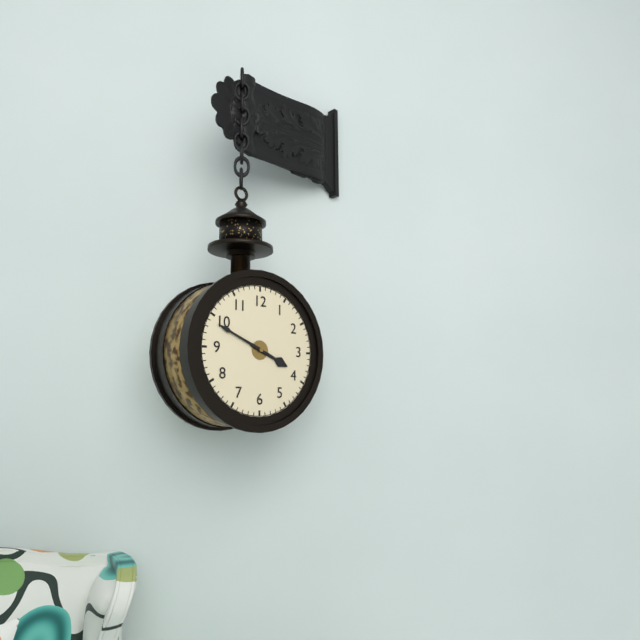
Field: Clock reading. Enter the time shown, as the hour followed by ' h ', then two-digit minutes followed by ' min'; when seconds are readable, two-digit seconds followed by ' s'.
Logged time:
3 h 49 min
